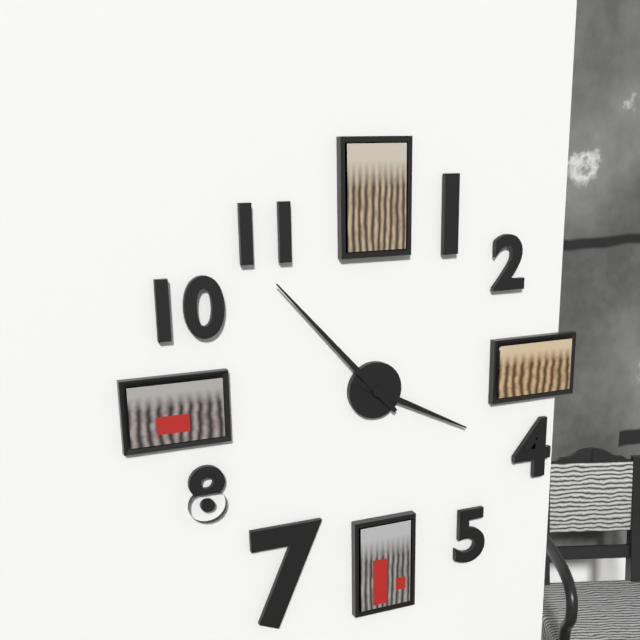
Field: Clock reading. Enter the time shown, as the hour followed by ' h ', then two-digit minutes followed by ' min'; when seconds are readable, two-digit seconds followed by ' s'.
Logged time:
3 h 53 min
